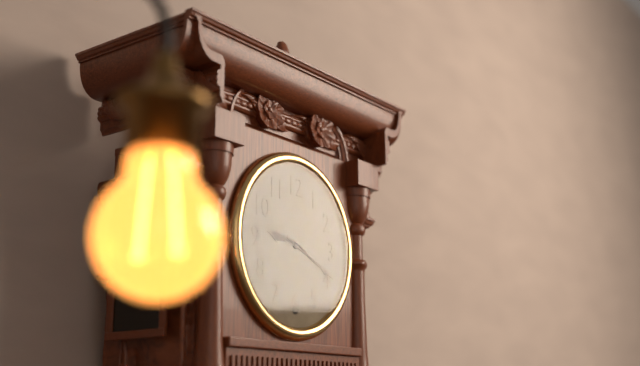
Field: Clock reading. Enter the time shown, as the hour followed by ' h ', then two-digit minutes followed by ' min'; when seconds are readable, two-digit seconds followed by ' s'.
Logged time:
9 h 19 min
